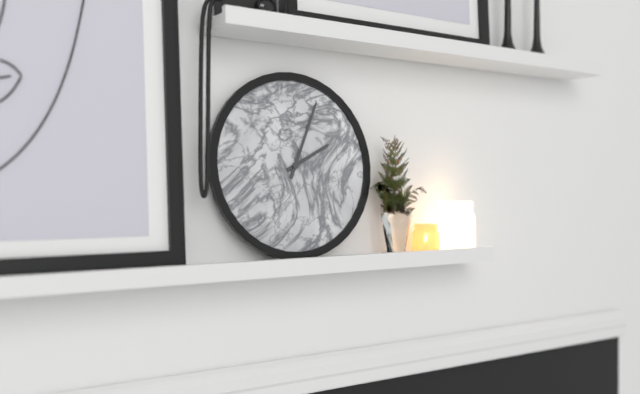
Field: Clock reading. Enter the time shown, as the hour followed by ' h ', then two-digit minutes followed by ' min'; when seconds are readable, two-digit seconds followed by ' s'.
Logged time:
2 h 04 min
